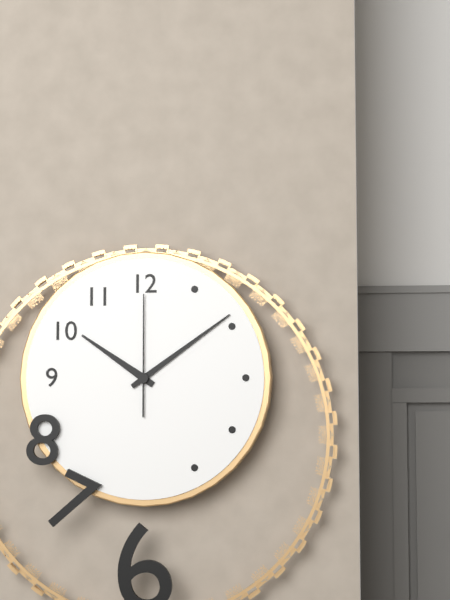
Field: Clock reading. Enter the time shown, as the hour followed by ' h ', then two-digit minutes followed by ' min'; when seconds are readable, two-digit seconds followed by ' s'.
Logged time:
10 h 09 min 00 s
